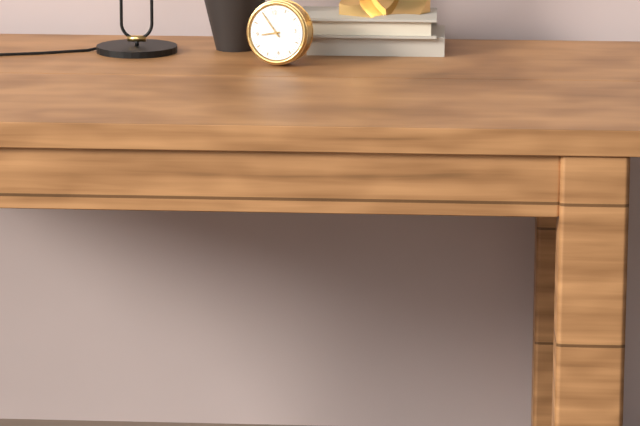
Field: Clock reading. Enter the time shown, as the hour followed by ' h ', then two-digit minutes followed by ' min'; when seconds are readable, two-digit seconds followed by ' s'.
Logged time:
8 h 55 min
